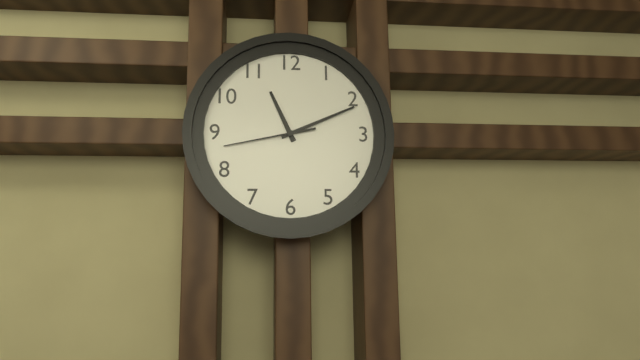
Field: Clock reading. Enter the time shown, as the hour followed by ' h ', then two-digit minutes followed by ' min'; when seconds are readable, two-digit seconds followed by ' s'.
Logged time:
11 h 11 min 43 s
